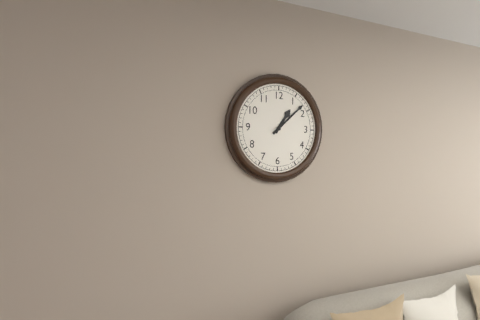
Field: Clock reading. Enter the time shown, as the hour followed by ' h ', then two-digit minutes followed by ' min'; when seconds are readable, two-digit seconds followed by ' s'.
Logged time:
1 h 08 min
